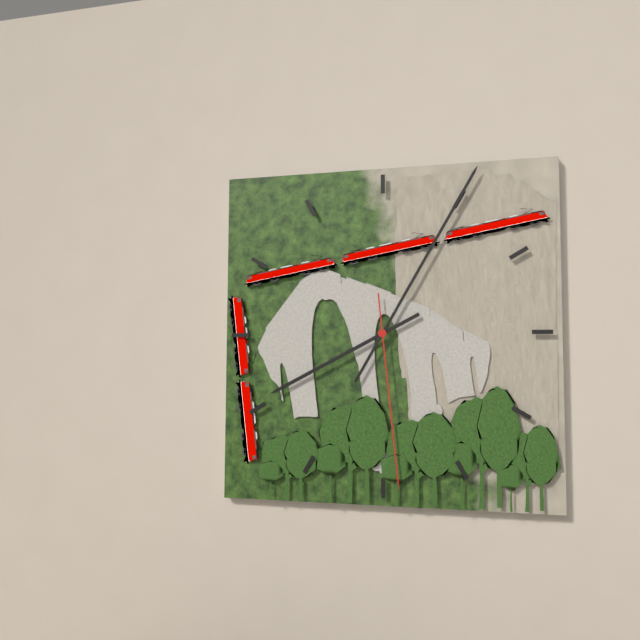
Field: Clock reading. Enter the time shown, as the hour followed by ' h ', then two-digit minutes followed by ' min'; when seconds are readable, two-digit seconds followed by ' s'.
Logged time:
8 h 05 min 29 s
